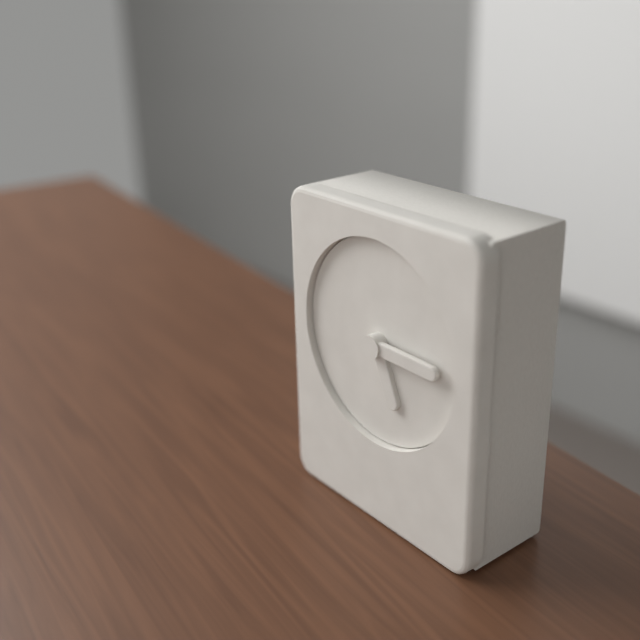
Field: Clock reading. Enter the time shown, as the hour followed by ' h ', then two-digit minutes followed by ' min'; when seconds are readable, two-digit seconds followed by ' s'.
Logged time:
5 h 15 min
